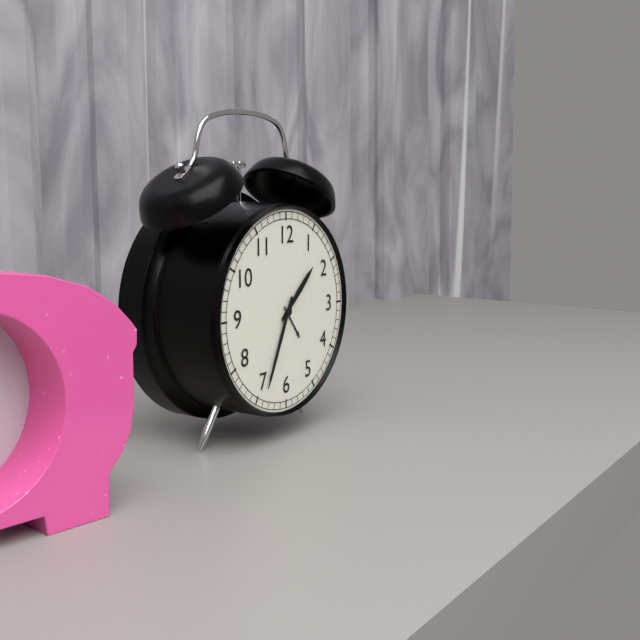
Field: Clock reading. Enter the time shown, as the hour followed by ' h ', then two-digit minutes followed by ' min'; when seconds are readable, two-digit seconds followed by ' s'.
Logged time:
1 h 34 min
